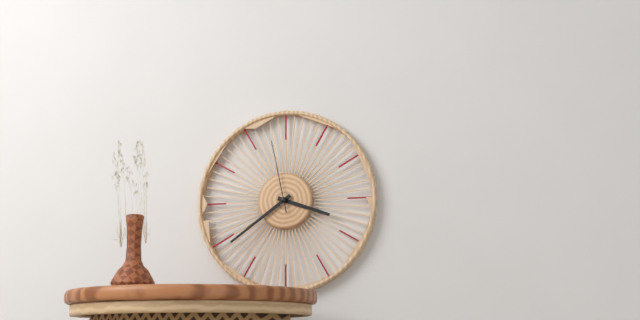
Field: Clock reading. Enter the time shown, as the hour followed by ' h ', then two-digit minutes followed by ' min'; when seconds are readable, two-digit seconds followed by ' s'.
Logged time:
3 h 39 min 58 s
